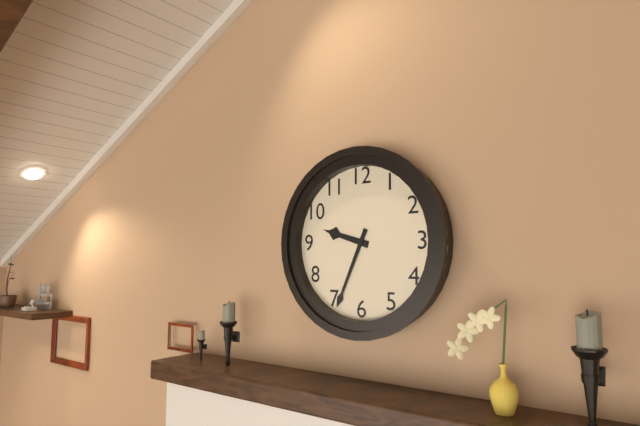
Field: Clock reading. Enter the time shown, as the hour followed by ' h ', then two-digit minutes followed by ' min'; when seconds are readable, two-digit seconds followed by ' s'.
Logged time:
9 h 34 min
